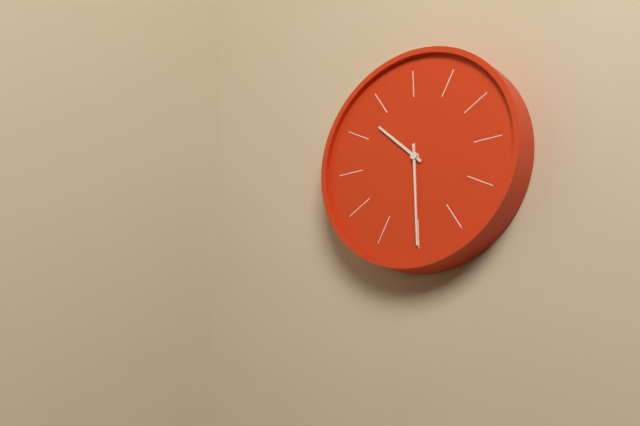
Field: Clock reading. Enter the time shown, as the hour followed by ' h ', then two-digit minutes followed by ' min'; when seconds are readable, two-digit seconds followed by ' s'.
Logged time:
10 h 30 min
